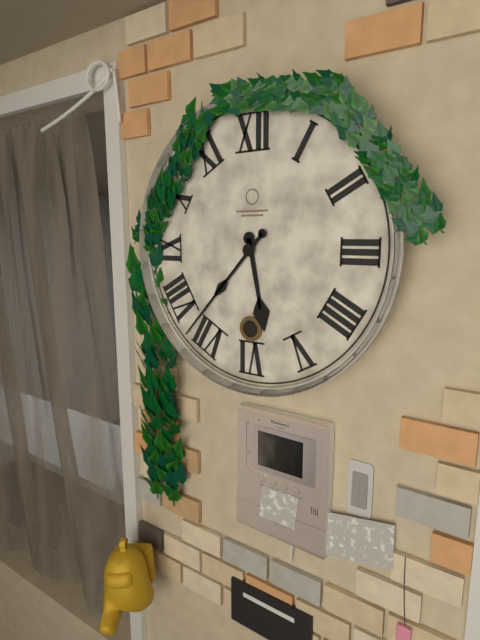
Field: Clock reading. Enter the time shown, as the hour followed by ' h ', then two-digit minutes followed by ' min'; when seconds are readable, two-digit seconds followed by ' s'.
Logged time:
5 h 37 min
